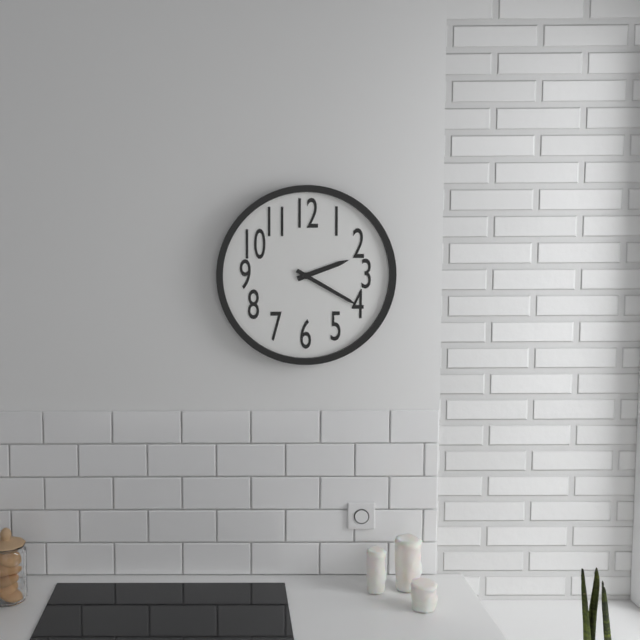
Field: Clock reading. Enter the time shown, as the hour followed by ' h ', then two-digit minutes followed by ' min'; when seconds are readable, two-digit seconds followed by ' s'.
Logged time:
2 h 20 min
